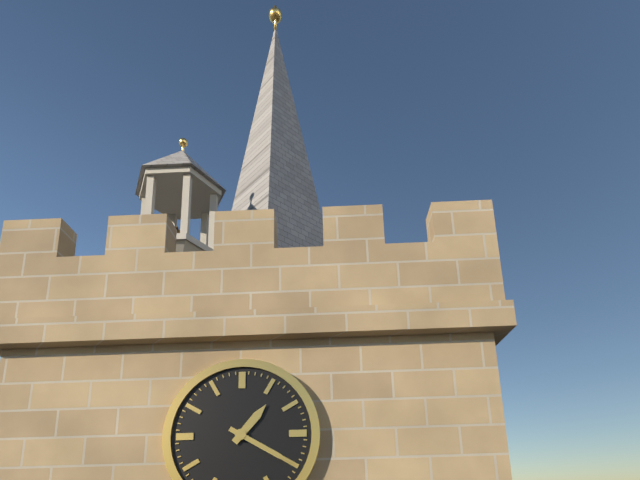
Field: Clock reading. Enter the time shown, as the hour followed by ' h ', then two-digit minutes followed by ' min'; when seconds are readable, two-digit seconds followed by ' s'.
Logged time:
1 h 20 min
